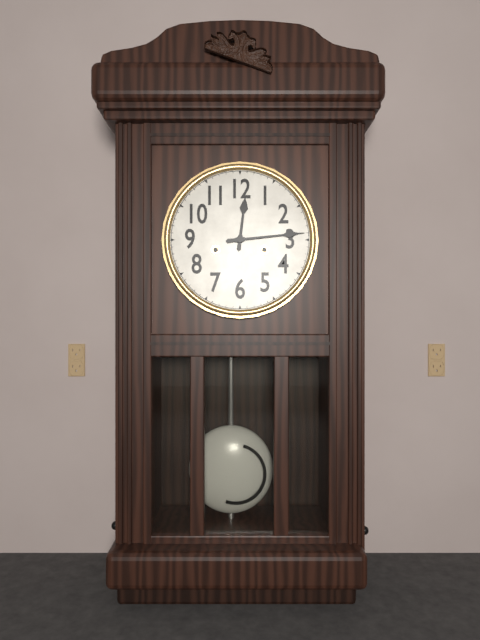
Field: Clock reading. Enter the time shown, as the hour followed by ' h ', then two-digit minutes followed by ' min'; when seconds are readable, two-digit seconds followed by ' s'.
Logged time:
12 h 14 min
